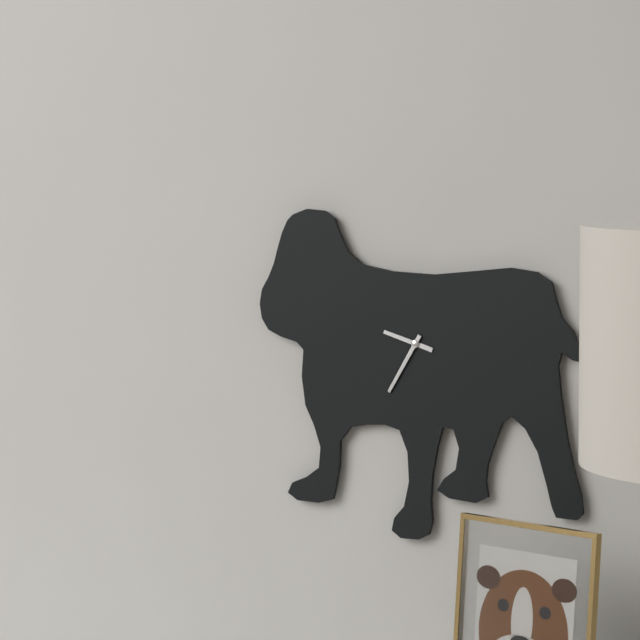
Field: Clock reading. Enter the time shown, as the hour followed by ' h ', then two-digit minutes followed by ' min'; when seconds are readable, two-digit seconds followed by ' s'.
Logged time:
9 h 35 min
